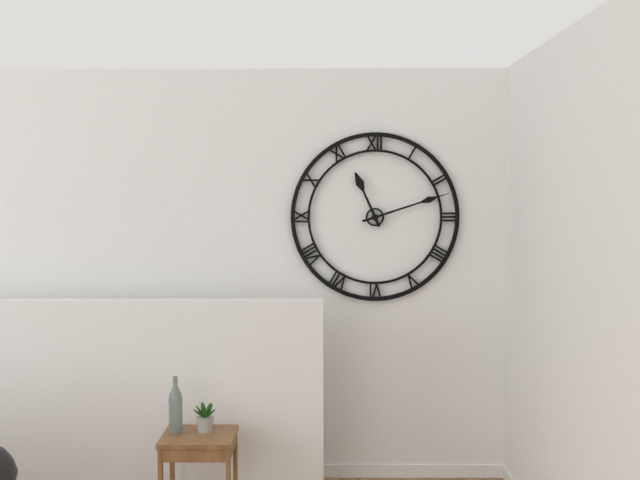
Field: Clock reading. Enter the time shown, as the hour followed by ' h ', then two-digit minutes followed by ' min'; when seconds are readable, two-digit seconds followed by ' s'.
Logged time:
11 h 12 min
